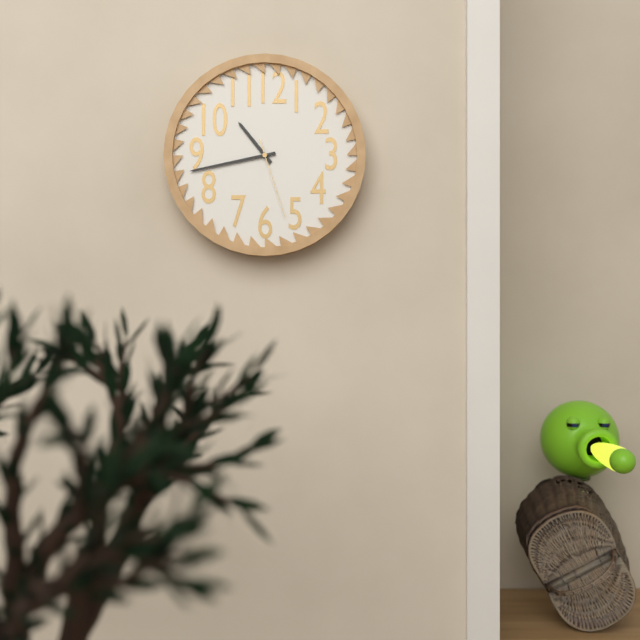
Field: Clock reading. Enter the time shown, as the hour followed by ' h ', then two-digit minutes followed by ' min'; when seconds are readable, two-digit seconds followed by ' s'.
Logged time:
10 h 43 min 27 s
